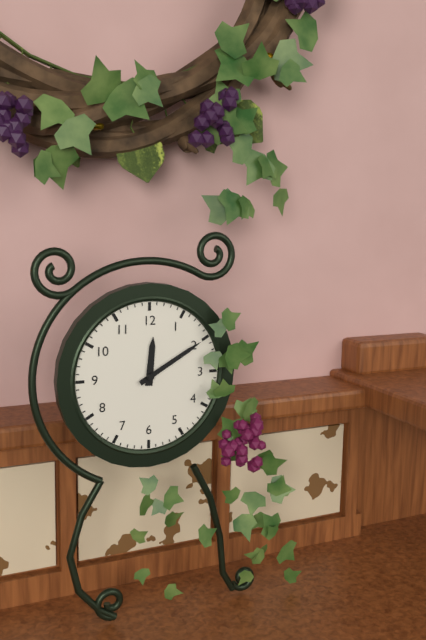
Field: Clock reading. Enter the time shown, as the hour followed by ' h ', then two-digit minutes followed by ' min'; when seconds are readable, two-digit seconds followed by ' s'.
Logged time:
12 h 10 min
